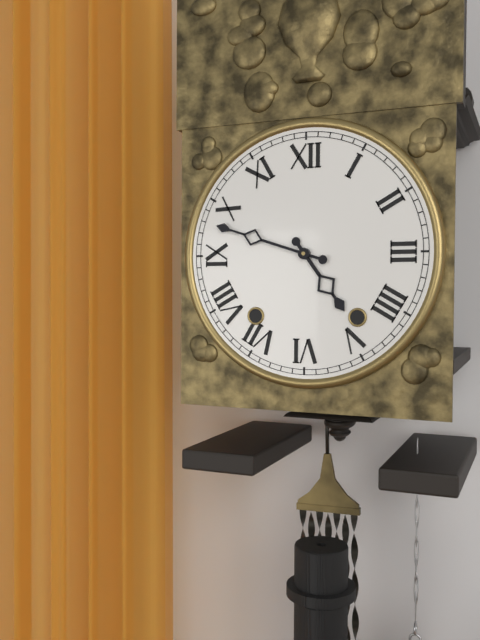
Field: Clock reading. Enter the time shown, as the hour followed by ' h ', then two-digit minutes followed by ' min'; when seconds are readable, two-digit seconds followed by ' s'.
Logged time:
4 h 48 min
